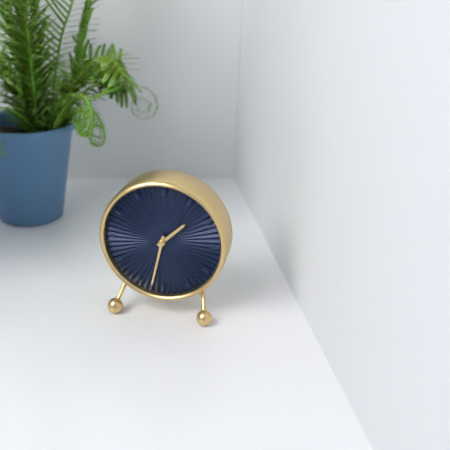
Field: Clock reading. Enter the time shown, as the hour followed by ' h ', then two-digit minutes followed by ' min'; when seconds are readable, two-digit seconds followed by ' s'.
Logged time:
1 h 32 min
